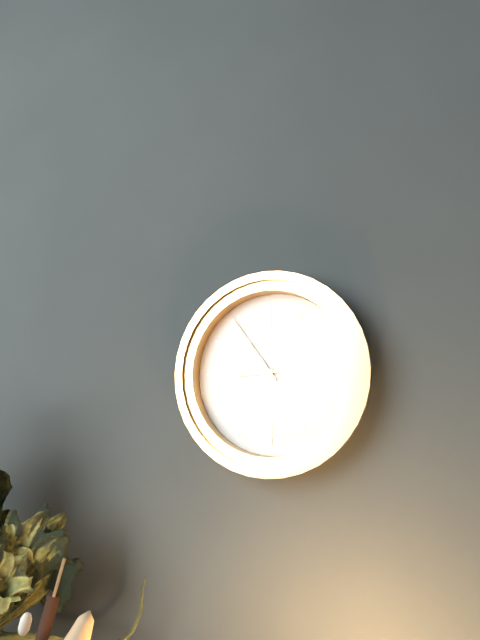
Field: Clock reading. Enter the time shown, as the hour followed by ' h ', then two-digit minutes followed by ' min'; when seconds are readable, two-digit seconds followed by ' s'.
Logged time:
8 h 54 min
